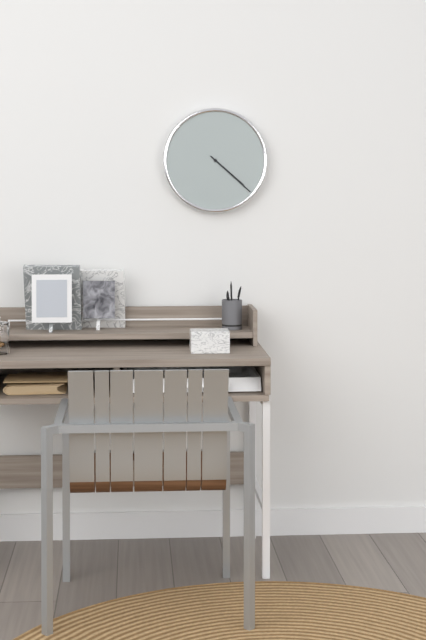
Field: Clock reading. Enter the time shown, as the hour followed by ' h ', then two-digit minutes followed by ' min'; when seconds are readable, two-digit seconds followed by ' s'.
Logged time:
4 h 22 min
